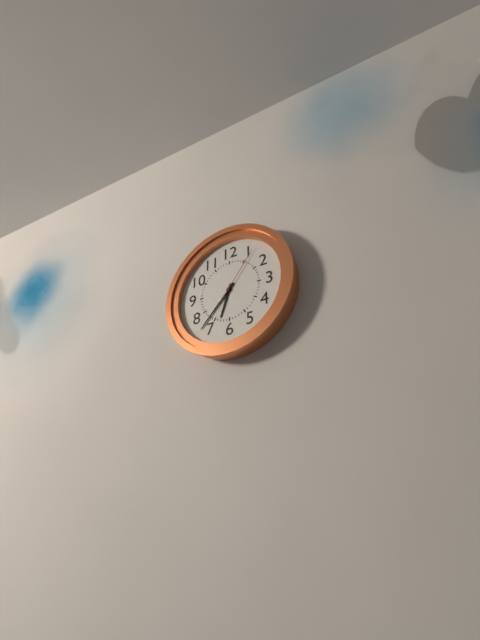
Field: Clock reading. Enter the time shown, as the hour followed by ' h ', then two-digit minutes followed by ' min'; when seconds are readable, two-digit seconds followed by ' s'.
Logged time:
6 h 37 min 06 s
